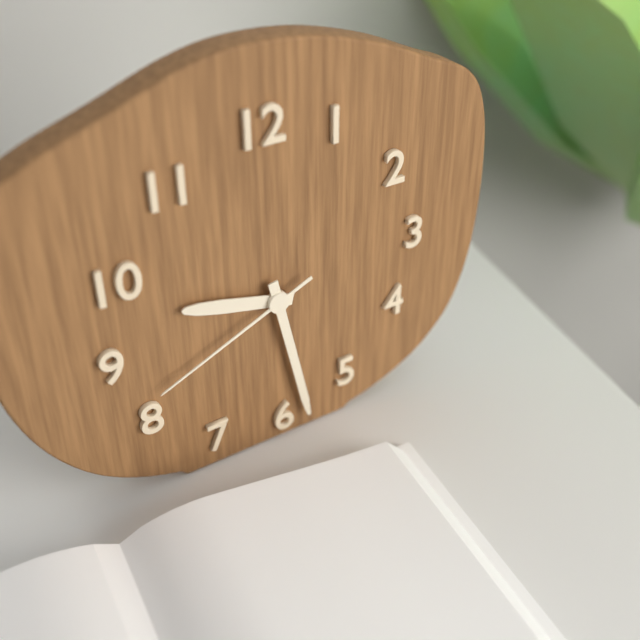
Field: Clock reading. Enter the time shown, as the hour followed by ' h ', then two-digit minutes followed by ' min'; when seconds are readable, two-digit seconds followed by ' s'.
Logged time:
9 h 28 min 41 s
